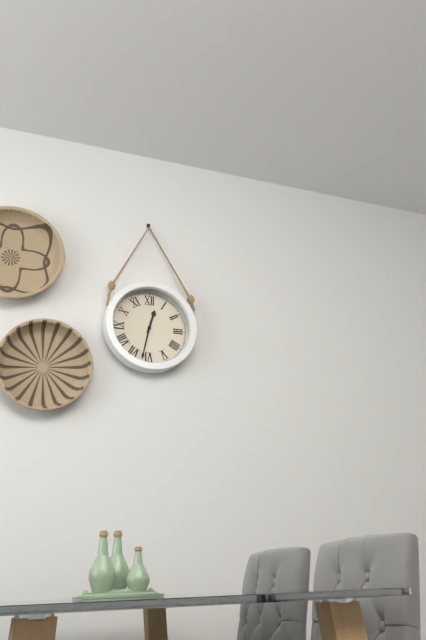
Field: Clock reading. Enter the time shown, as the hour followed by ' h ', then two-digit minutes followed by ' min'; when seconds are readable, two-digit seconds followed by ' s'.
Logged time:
12 h 32 min
